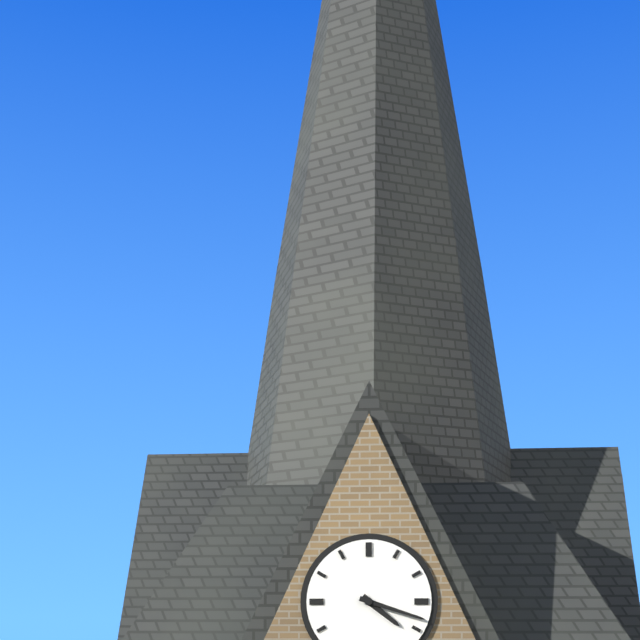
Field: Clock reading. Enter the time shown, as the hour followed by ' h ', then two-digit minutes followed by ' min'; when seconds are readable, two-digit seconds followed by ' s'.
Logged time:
4 h 18 min
